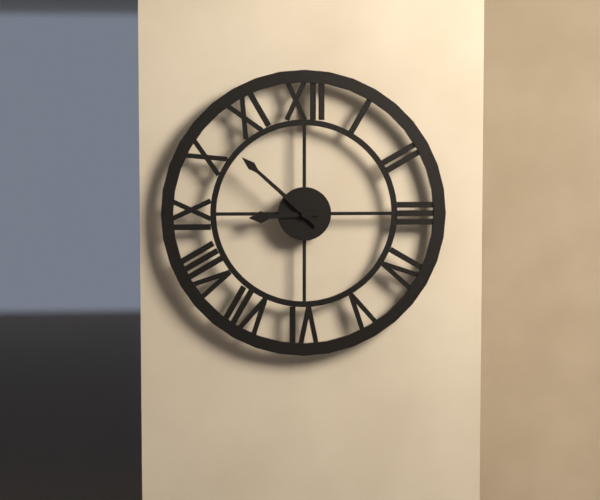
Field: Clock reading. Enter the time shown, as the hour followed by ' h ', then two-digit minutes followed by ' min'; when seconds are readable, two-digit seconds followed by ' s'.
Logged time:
8 h 52 min
